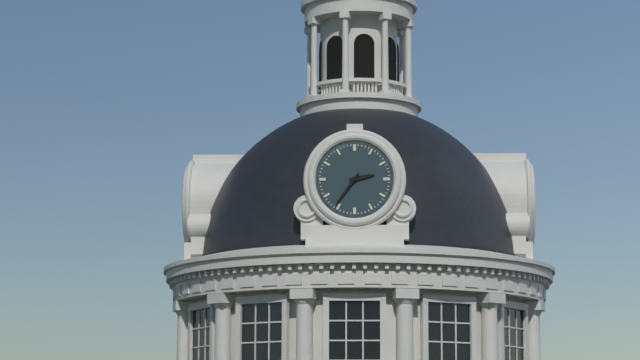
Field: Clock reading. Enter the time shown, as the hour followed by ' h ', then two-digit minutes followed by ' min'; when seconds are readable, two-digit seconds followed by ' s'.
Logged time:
2 h 36 min
